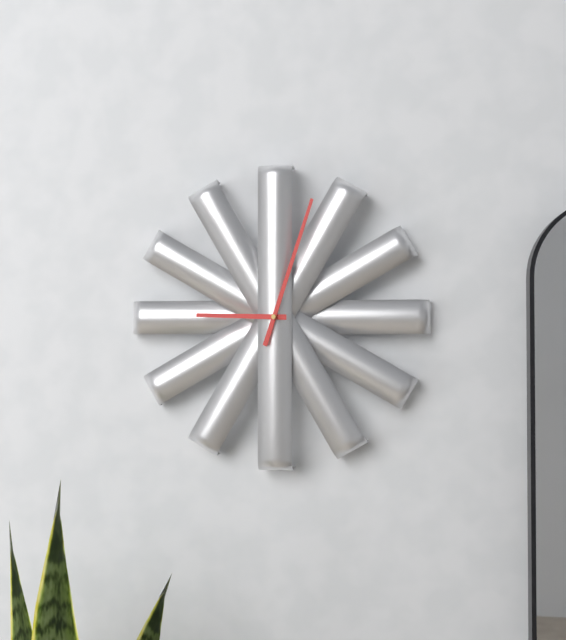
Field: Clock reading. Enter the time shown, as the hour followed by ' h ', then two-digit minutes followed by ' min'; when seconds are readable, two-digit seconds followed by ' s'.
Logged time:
9 h 03 min
